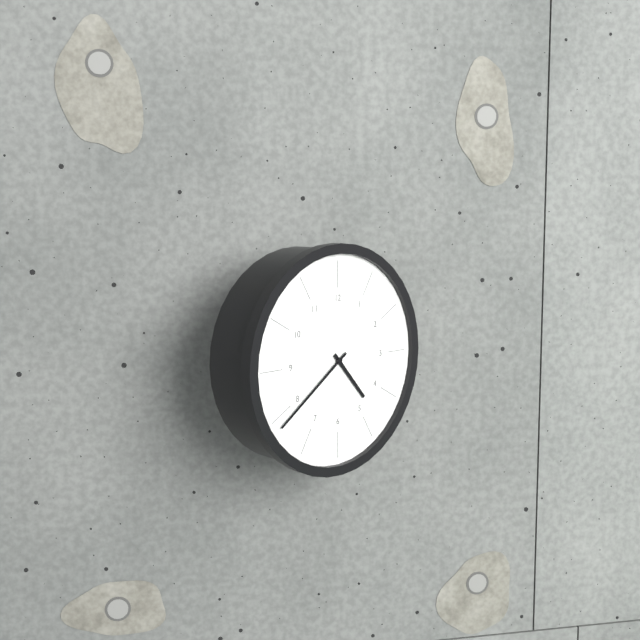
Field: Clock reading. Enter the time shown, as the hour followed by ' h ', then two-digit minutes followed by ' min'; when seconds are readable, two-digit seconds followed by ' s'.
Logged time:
4 h 39 min
